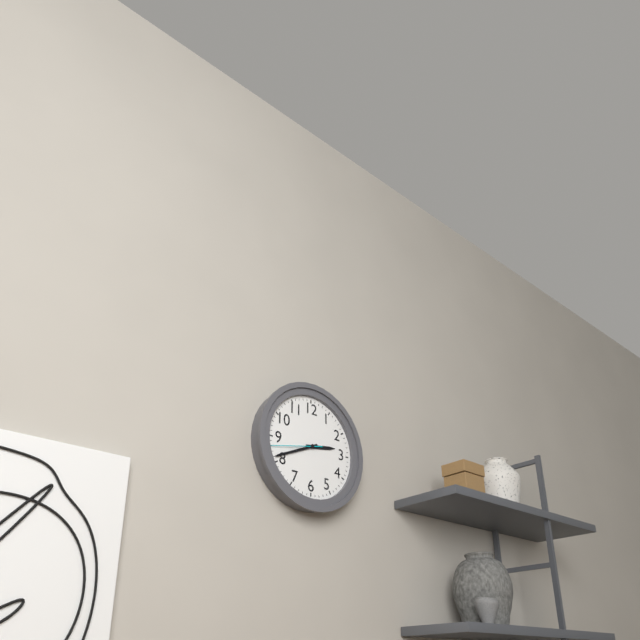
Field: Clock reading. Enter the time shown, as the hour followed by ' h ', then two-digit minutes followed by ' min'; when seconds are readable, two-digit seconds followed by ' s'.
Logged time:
2 h 41 min 43 s
